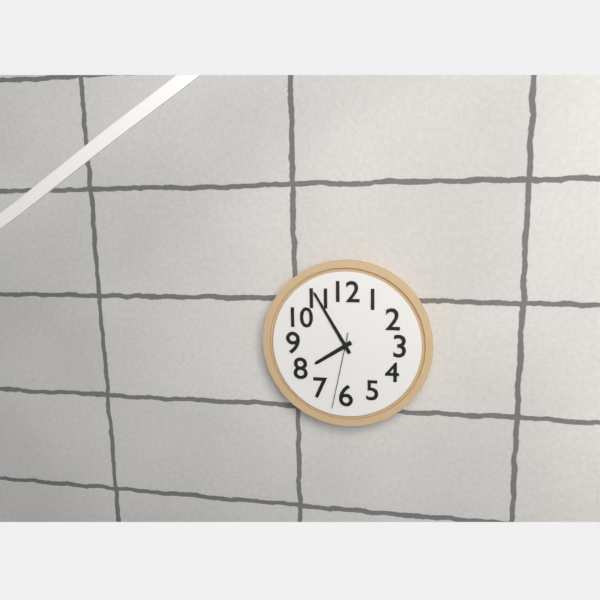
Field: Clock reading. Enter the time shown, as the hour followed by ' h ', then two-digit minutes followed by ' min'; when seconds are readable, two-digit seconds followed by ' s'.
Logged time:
7 h 55 min 32 s
